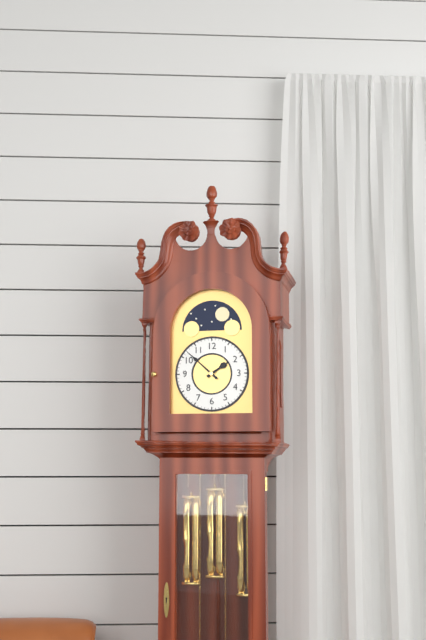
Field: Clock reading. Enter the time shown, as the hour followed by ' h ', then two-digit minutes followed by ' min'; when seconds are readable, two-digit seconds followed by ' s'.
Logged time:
1 h 52 min
